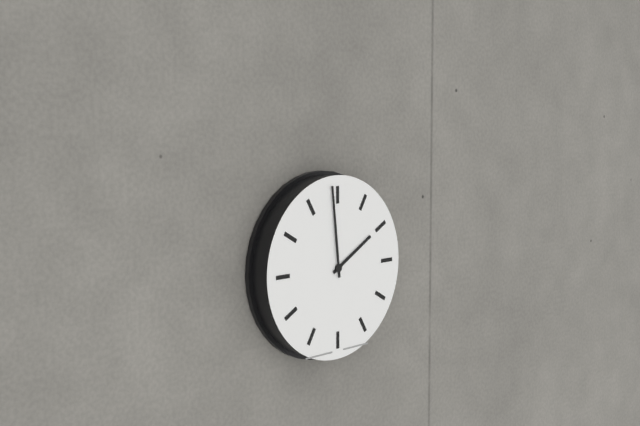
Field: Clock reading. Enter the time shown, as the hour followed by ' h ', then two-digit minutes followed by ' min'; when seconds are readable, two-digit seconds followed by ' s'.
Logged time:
1 h 59 min
